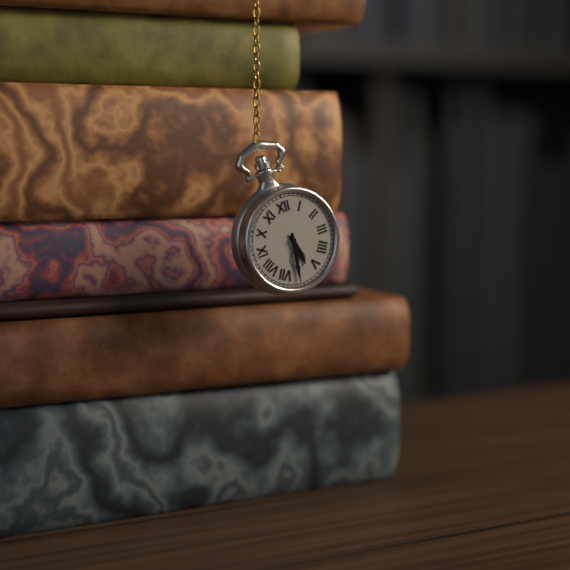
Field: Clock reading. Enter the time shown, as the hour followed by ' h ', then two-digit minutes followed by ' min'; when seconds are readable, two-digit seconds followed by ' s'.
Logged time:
5 h 31 min
